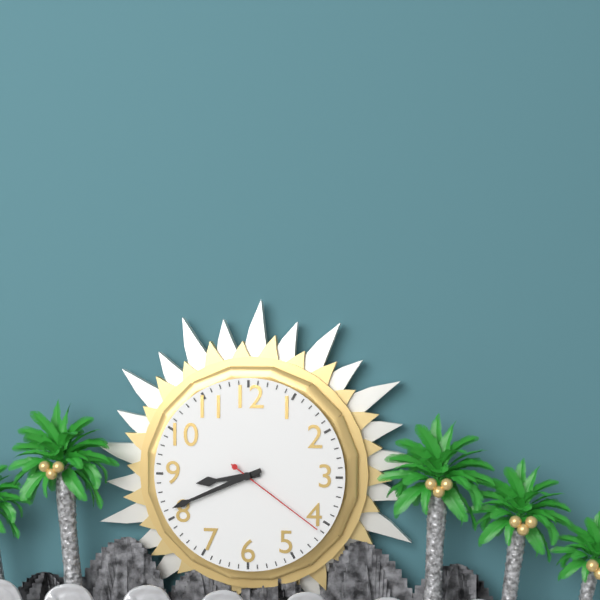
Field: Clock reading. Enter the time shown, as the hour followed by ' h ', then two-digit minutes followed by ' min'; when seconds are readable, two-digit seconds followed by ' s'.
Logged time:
8 h 41 min 21 s
